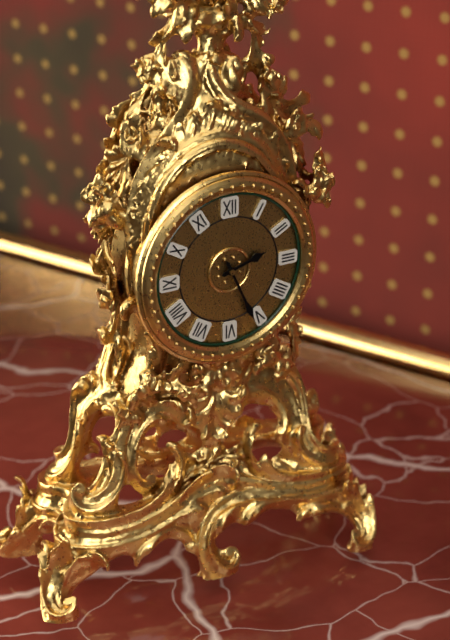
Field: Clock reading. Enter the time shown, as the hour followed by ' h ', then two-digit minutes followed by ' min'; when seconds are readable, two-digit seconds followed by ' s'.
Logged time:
2 h 26 min
